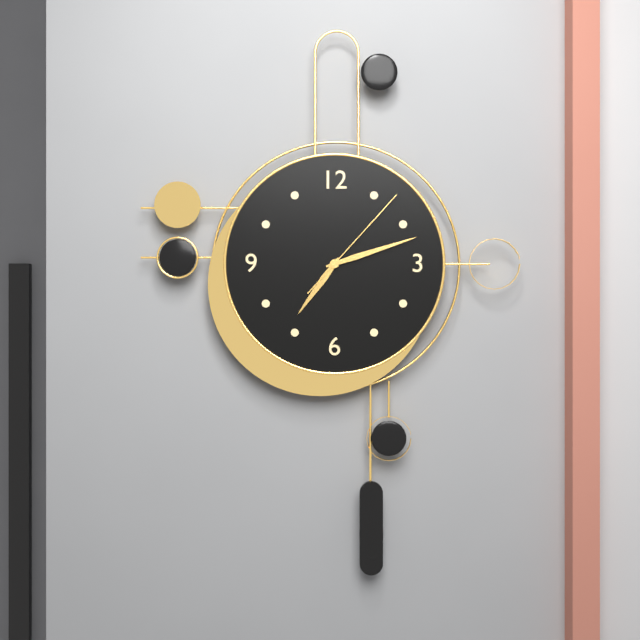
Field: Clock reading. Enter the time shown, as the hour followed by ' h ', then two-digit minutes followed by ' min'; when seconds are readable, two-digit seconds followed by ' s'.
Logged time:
7 h 12 min 07 s
